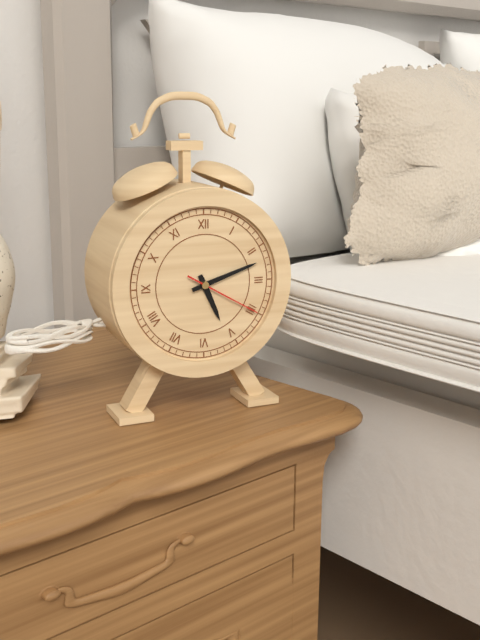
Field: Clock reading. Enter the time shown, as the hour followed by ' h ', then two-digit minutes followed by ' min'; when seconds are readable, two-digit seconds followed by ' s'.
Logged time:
5 h 12 min 20 s
